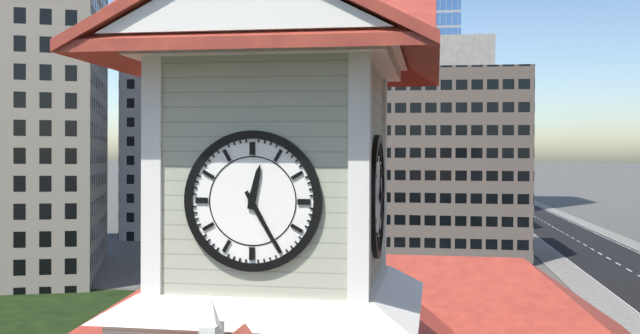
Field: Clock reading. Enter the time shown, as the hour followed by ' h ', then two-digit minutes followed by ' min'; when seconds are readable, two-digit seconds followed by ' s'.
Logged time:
12 h 25 min
